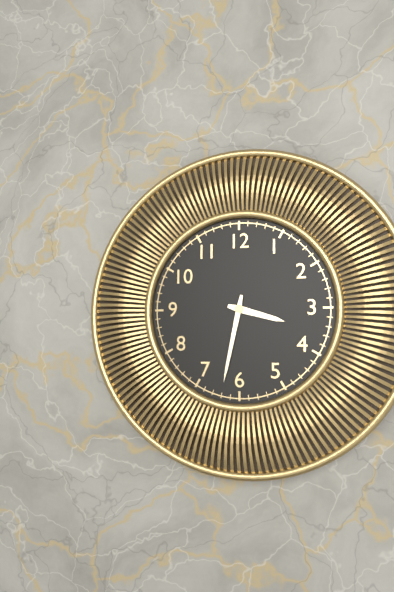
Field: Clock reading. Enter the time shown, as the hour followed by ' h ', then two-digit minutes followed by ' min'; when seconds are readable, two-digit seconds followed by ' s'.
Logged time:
3 h 32 min
